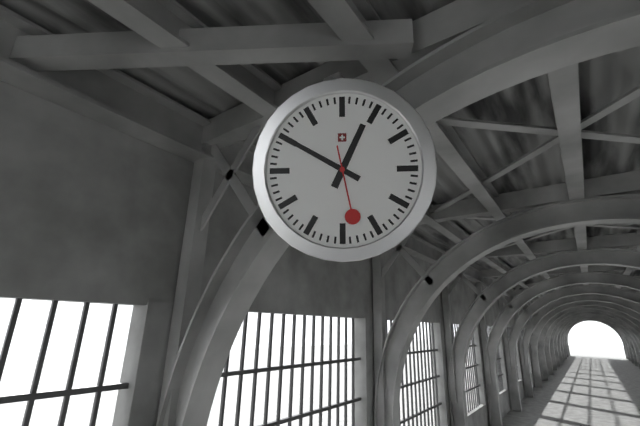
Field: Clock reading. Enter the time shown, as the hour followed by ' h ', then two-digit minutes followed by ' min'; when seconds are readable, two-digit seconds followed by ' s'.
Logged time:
12 h 50 min 28 s
